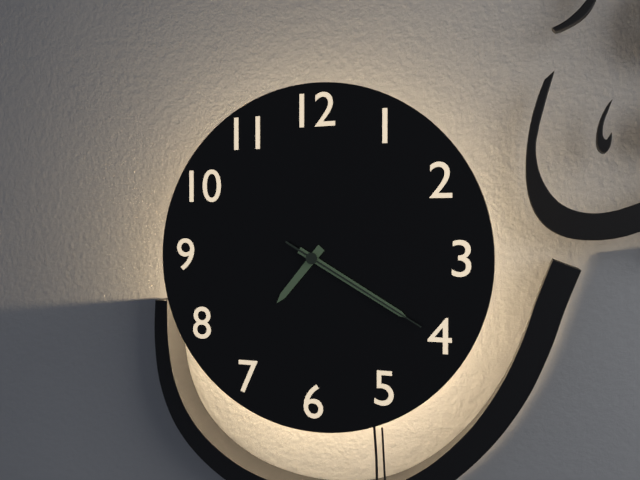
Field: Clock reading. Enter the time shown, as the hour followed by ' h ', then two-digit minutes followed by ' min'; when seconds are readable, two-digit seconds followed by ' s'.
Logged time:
7 h 20 min 20 s
